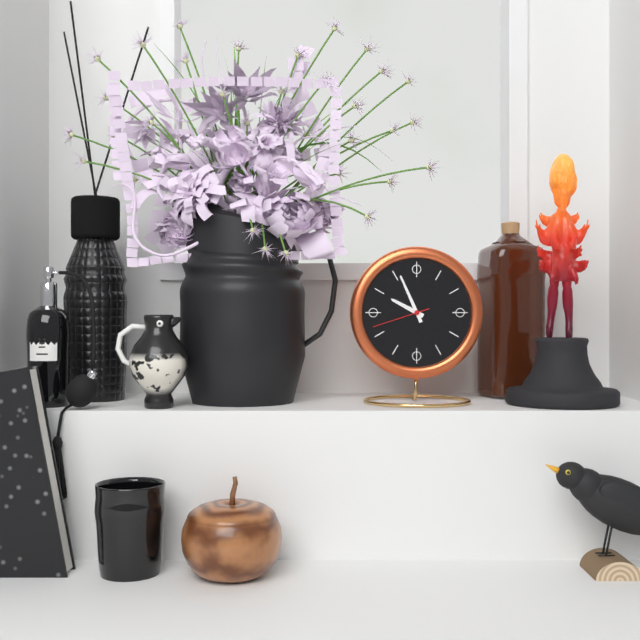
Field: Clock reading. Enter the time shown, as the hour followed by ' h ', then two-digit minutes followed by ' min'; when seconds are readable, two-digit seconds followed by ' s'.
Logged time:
9 h 56 min 42 s
